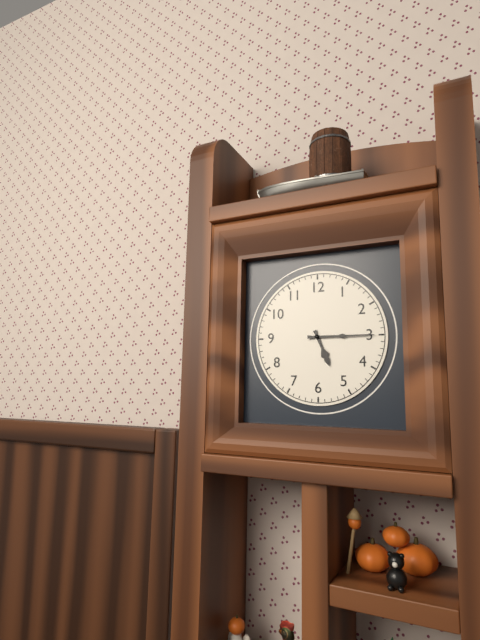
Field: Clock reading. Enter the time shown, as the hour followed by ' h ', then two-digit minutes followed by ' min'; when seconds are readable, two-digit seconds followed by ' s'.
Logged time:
5 h 15 min
